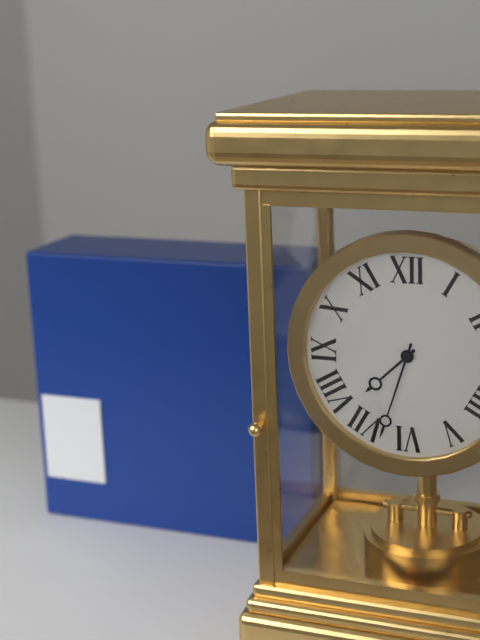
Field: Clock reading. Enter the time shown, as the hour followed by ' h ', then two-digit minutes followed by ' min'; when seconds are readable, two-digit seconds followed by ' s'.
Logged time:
7 h 33 min
